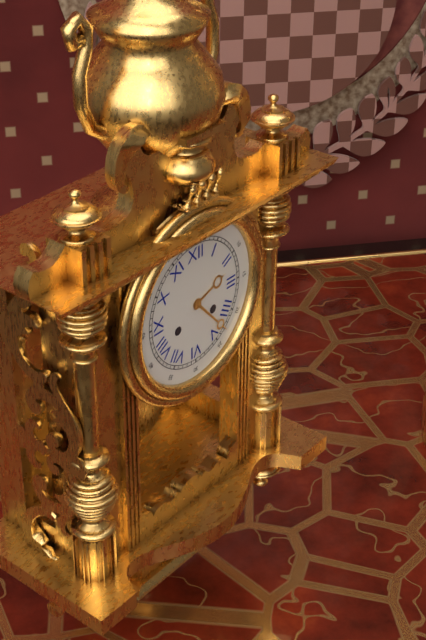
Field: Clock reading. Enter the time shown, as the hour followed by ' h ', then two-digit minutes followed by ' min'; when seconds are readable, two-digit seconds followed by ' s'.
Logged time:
2 h 23 min
